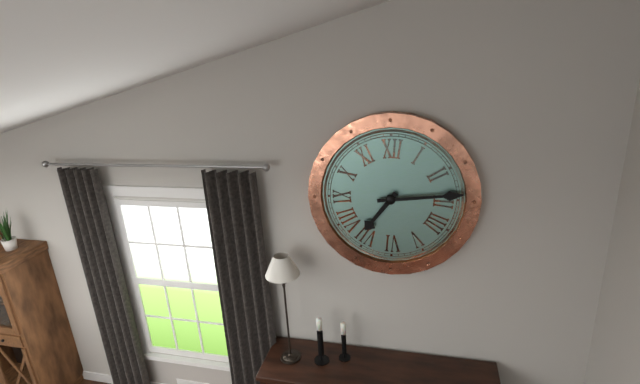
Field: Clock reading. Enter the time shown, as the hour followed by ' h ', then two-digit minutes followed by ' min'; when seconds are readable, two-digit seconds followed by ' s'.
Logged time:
7 h 14 min
